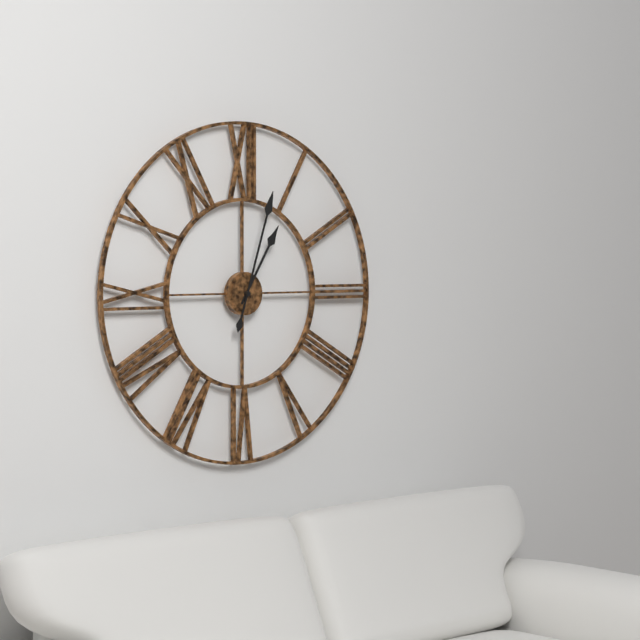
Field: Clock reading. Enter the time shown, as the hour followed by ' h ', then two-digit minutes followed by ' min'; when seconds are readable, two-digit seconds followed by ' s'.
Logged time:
1 h 03 min
